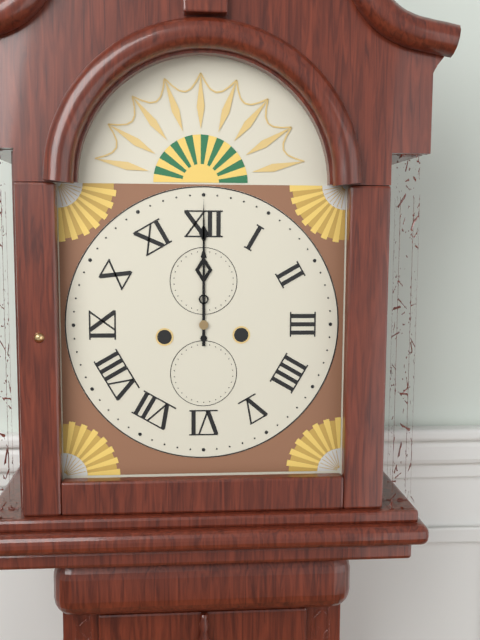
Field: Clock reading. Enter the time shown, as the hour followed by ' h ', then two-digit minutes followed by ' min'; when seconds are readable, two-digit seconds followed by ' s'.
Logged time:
12 h 00 min
